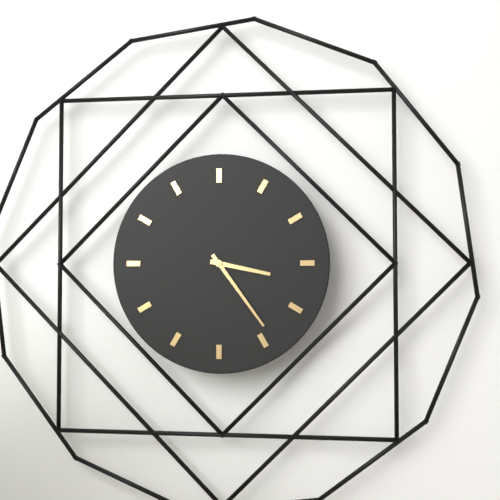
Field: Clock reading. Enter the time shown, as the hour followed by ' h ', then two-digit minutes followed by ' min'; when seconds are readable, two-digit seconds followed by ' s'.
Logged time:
3 h 24 min
